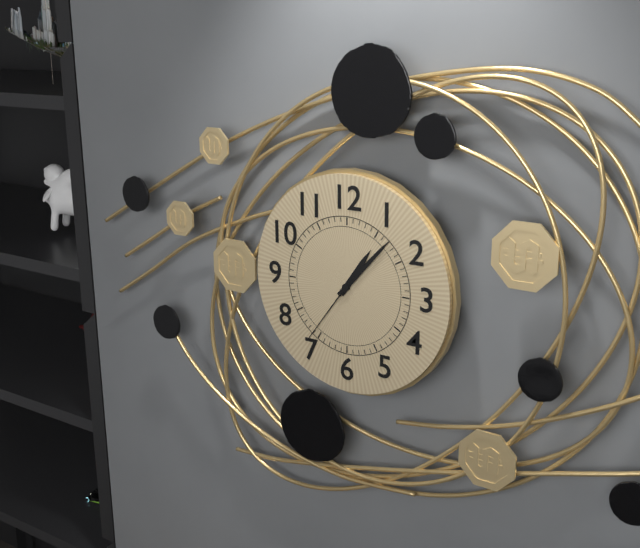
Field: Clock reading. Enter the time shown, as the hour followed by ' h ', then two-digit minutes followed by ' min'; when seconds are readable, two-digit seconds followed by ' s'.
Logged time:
1 h 07 min 36 s
